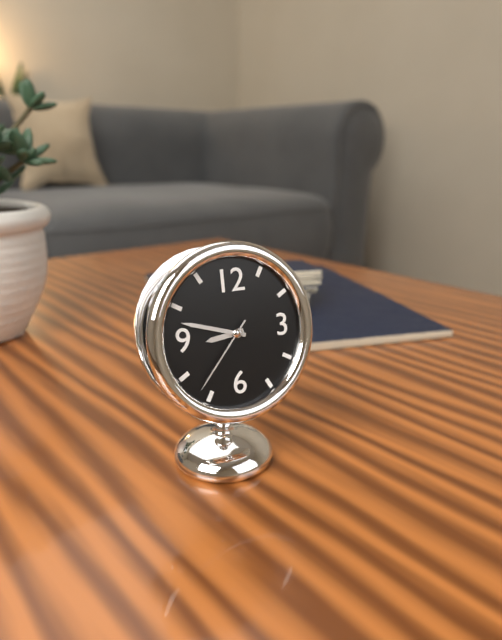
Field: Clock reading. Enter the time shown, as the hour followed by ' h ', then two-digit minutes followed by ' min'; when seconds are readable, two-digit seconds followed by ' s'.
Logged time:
8 h 48 min 37 s
